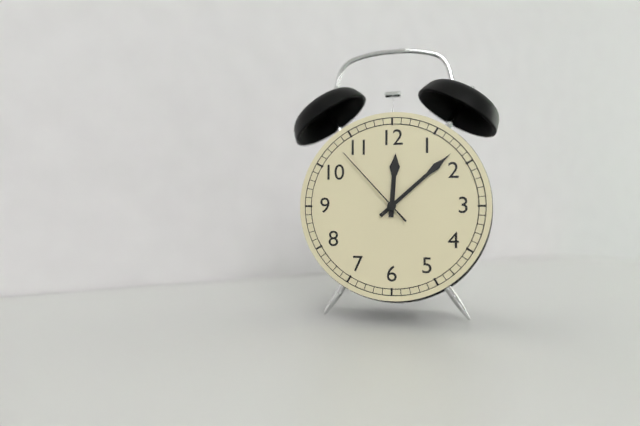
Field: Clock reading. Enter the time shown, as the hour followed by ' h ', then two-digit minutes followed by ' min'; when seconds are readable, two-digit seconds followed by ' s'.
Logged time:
12 h 08 min 53 s
